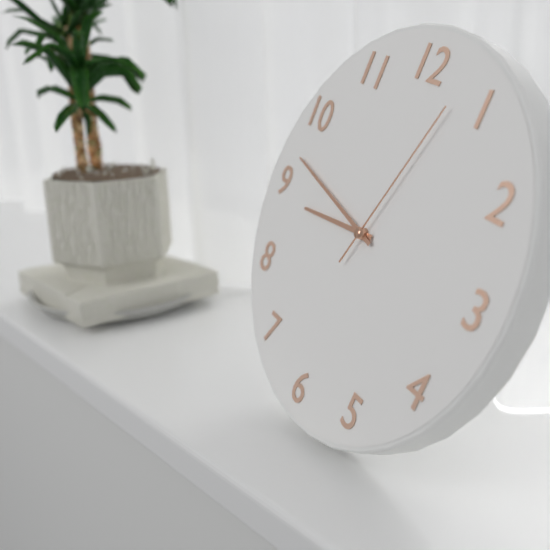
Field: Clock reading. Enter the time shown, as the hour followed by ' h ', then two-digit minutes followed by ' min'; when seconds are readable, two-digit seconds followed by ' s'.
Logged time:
8 h 47 min 03 s
